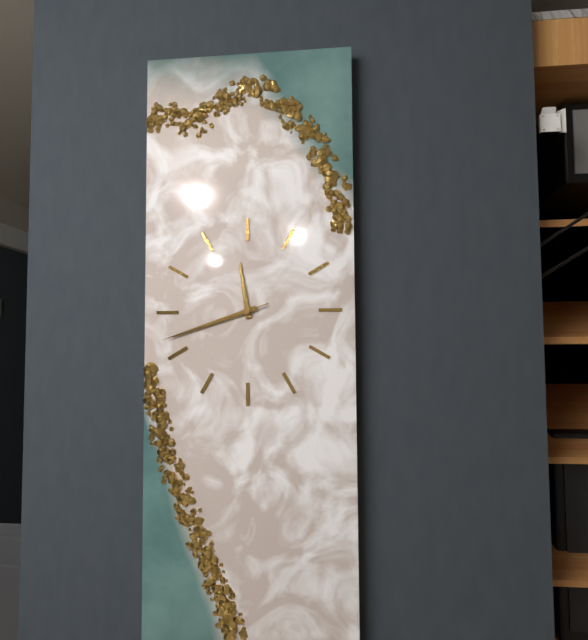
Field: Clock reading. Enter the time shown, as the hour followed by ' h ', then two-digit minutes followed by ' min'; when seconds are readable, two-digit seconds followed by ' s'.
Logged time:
11 h 42 min 42 s
